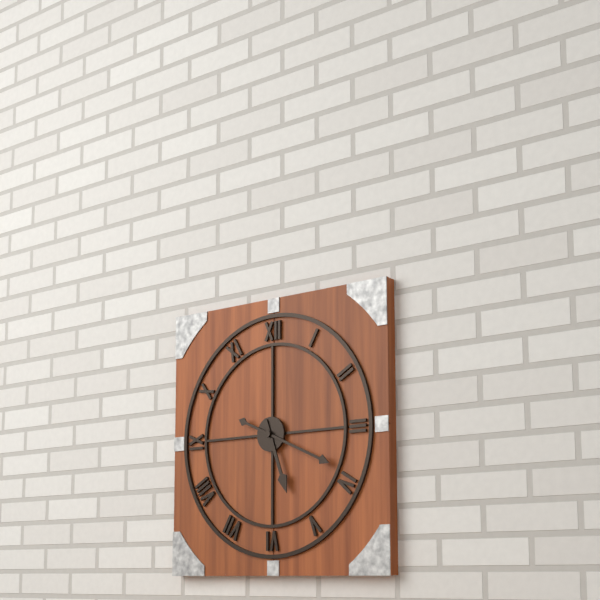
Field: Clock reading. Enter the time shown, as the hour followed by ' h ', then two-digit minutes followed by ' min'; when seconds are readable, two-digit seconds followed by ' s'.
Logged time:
5 h 19 min
